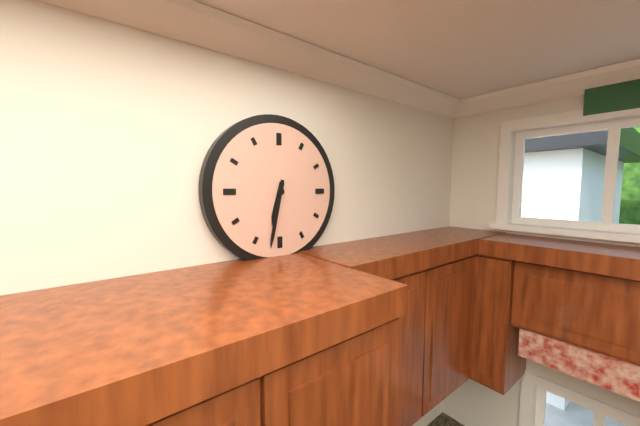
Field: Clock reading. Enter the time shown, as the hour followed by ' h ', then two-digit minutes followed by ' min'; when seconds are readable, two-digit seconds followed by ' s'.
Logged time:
6 h 32 min
